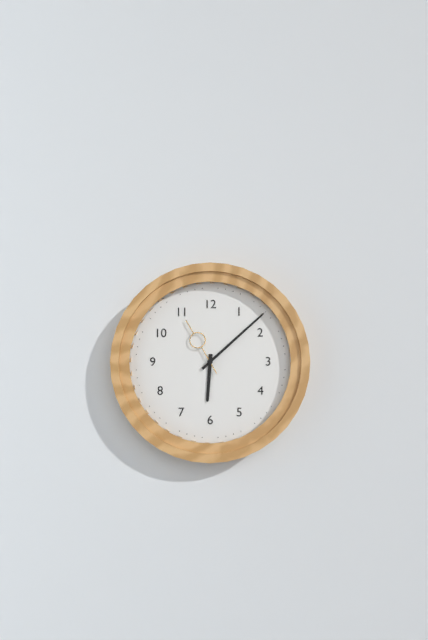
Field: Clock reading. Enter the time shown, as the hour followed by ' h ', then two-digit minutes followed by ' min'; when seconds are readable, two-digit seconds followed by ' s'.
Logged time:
6 h 08 min 55 s
